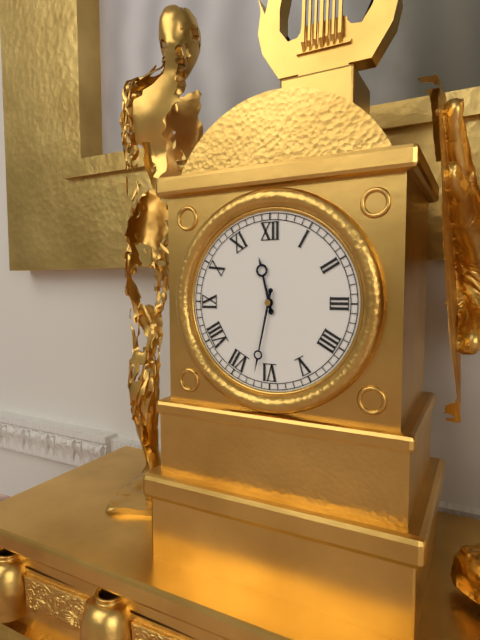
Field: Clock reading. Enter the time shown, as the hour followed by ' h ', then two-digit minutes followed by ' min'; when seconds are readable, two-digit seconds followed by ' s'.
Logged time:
11 h 32 min
